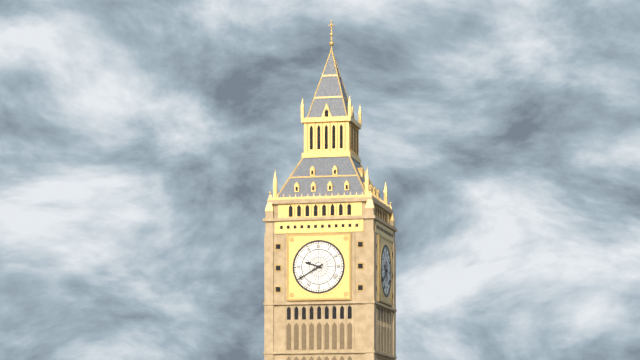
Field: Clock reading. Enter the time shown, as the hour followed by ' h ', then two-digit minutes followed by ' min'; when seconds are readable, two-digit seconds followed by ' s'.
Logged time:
9 h 40 min
